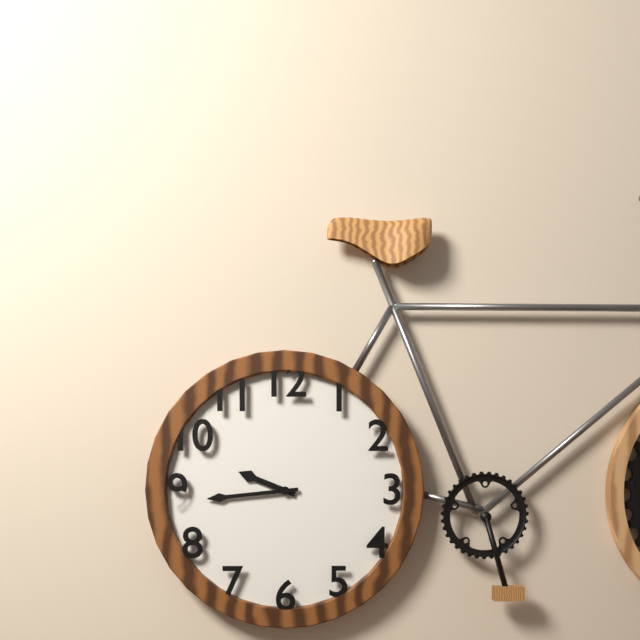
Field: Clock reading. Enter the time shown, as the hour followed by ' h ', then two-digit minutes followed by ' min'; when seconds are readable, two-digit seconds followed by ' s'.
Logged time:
9 h 44 min
